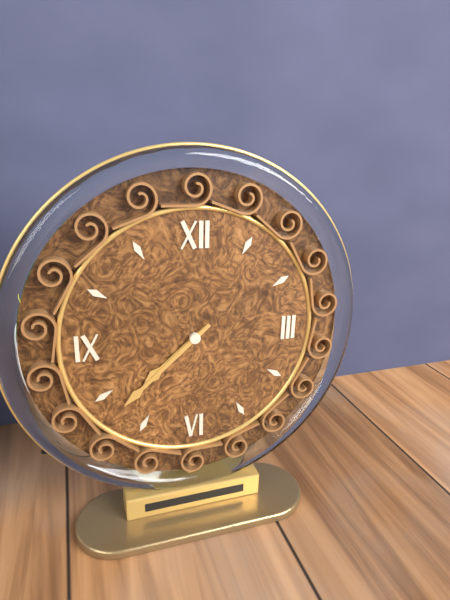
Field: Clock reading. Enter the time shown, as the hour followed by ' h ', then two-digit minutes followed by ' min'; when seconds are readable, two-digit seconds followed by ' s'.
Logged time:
7 h 38 min
